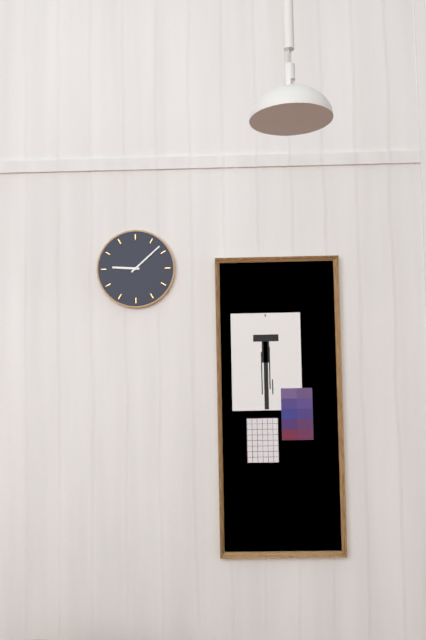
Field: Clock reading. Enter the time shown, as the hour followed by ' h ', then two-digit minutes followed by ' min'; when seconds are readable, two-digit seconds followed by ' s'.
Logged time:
9 h 08 min
